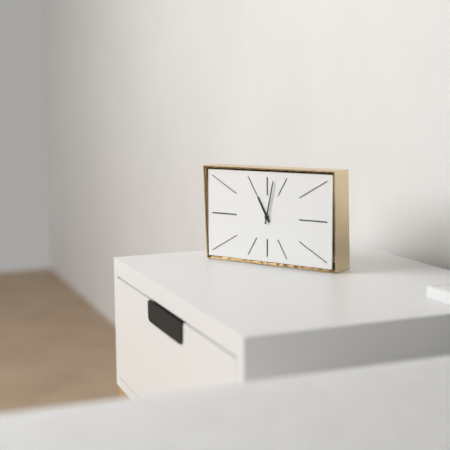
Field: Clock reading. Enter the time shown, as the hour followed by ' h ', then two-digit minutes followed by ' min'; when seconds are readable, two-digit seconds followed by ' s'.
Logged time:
11 h 02 min
